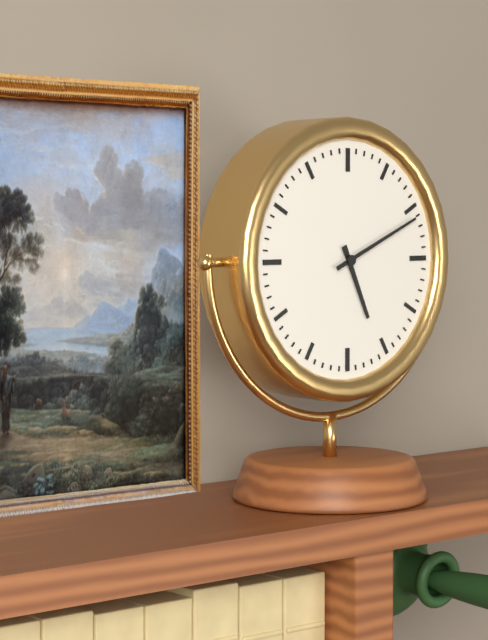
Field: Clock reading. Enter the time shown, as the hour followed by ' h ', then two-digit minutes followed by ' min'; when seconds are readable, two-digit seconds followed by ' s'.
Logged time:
5 h 11 min
